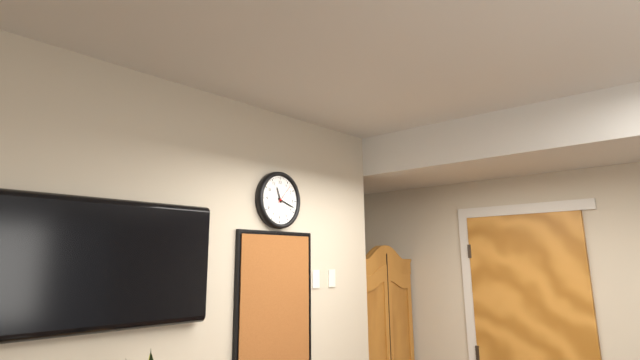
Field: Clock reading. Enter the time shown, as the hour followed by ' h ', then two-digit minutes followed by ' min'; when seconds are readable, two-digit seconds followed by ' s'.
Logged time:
11 h 18 min
